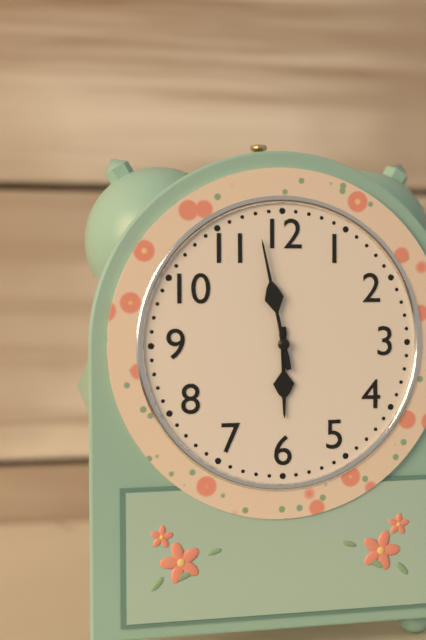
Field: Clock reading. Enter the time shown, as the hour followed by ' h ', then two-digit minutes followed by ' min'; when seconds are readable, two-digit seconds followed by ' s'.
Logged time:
5 h 58 min
